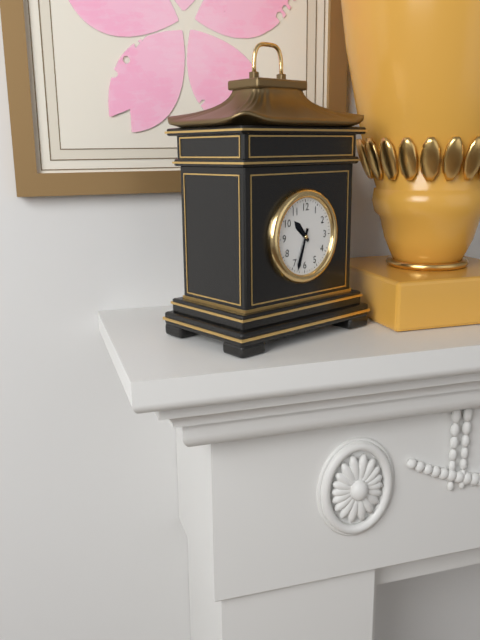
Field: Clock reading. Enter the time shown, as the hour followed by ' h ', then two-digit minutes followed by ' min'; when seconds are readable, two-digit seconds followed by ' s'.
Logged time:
10 h 33 min
